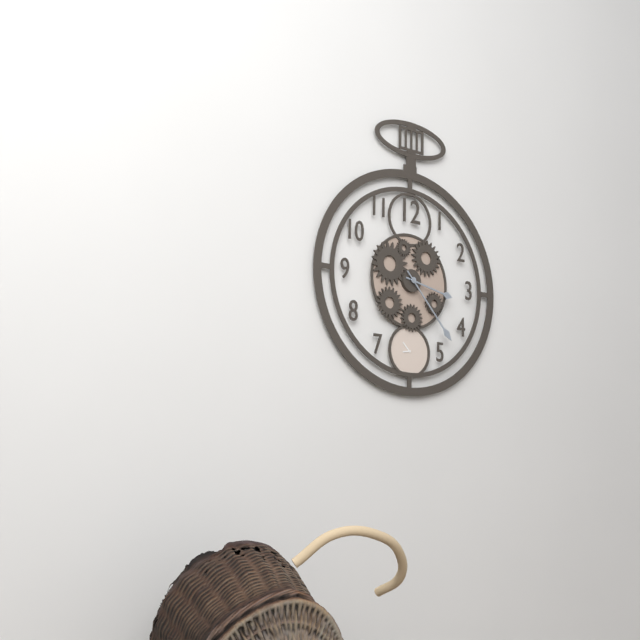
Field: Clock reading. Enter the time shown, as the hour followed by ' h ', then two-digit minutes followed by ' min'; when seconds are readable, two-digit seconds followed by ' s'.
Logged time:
3 h 23 min
